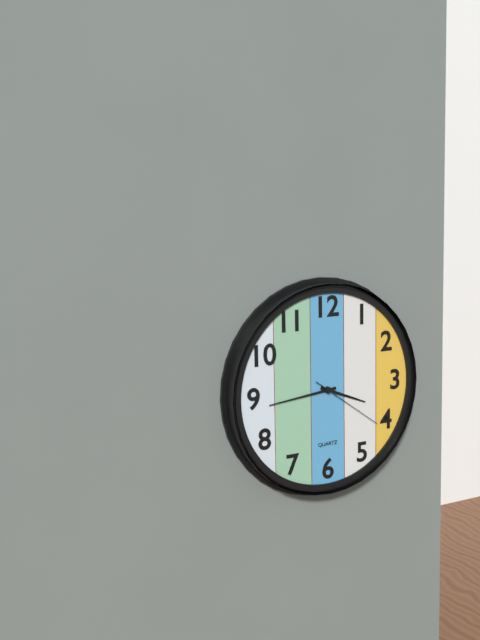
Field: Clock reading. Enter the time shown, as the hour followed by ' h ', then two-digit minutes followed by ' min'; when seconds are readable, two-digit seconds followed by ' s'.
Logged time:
3 h 44 min 21 s
